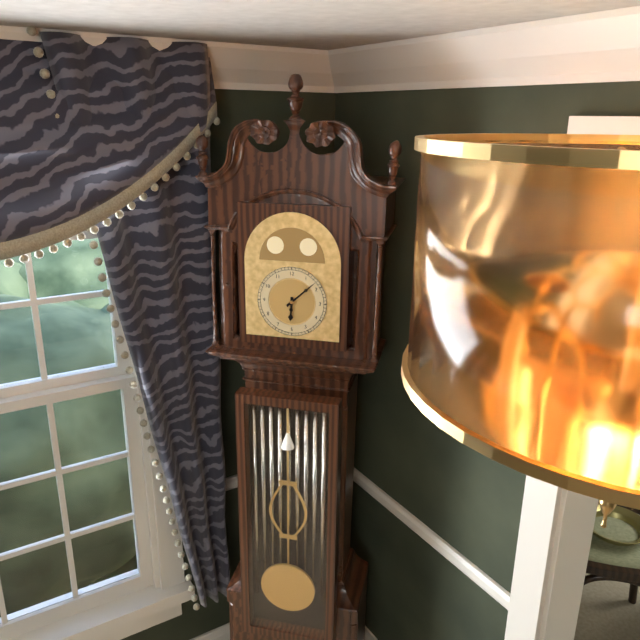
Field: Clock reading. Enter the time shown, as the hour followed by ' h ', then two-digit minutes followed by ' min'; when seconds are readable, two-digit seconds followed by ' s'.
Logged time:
6 h 08 min
